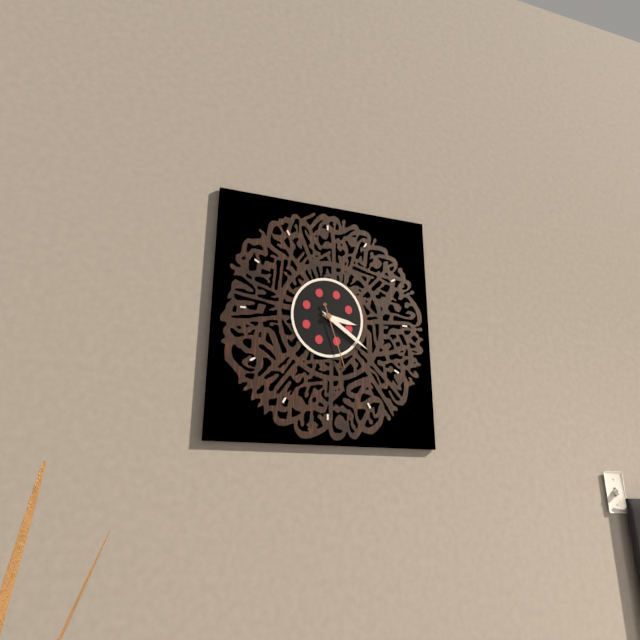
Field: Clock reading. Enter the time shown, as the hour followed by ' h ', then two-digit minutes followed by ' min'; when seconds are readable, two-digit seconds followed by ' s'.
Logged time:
3 h 21 min 27 s
